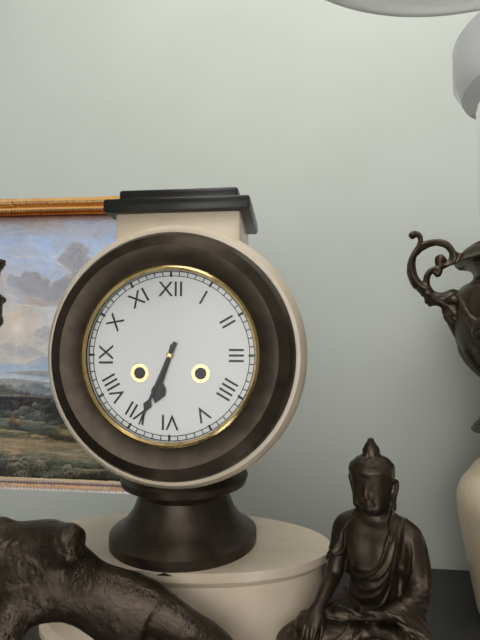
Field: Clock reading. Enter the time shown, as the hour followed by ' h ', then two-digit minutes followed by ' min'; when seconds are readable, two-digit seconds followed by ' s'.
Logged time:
6 h 34 min
